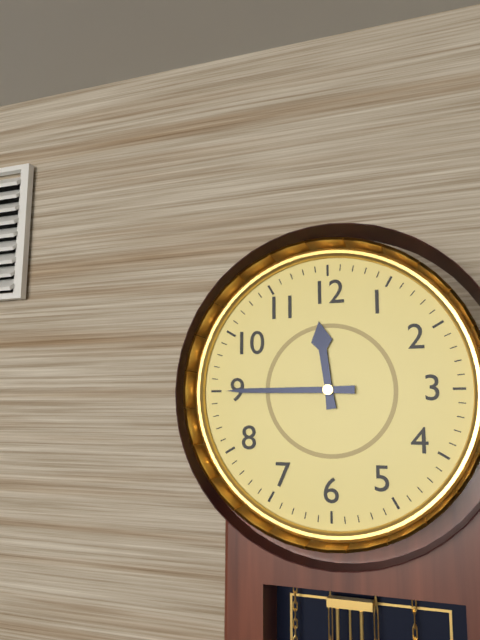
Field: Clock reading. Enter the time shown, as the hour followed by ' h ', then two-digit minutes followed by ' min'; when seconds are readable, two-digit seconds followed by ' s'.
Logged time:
11 h 45 min
